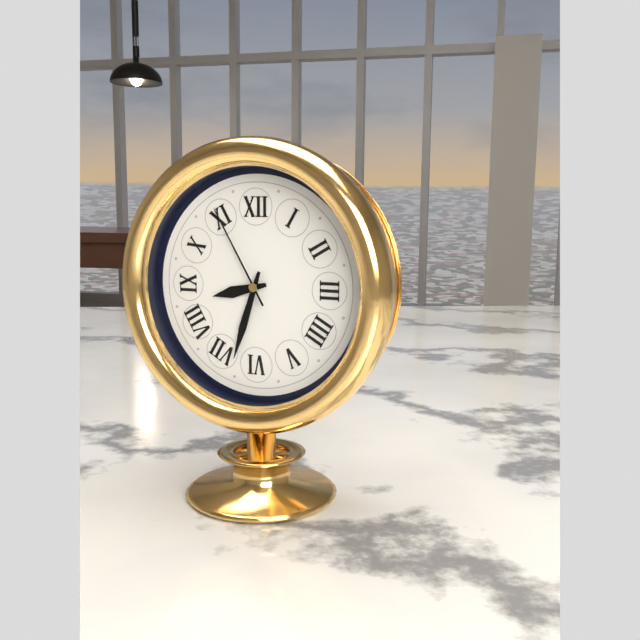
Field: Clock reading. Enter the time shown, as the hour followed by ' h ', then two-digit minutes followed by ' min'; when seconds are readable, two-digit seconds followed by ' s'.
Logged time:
8 h 33 min 55 s
